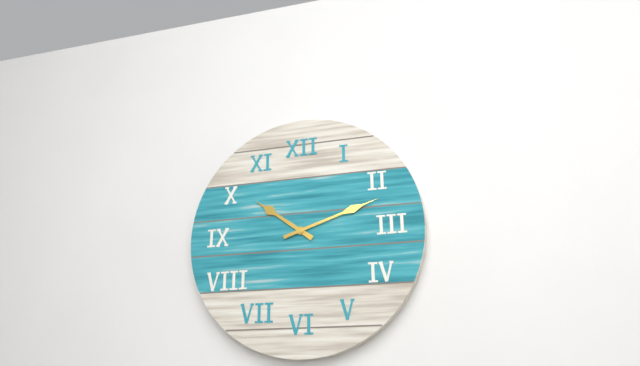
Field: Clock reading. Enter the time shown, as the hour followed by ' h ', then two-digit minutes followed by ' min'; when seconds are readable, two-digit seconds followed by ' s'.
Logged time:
10 h 12 min
